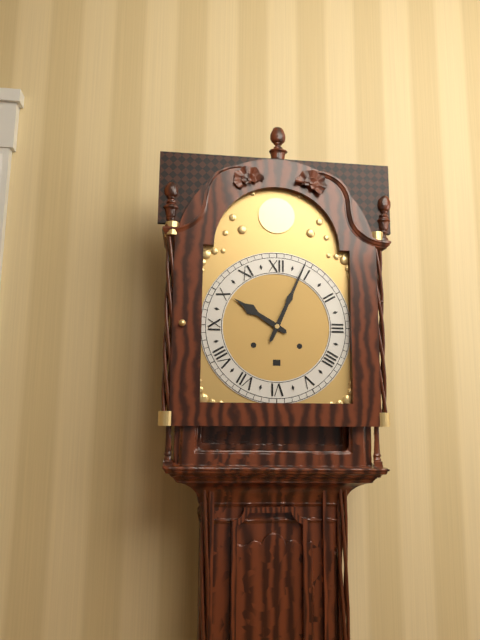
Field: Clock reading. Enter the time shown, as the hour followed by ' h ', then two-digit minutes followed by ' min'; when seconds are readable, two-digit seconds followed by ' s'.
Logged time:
10 h 04 min
